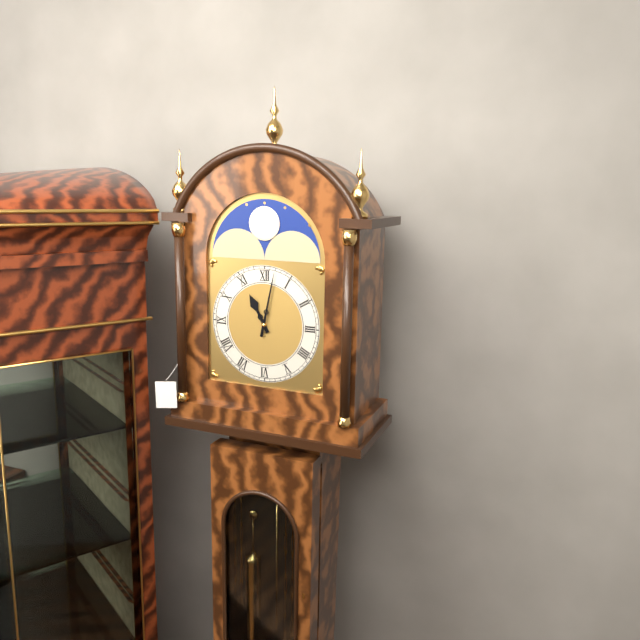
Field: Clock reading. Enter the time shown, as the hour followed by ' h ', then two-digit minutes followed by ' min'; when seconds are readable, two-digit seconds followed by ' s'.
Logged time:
11 h 02 min
